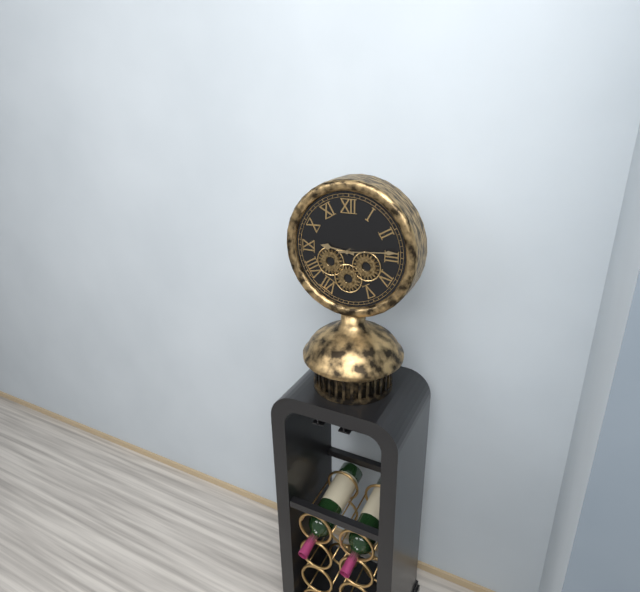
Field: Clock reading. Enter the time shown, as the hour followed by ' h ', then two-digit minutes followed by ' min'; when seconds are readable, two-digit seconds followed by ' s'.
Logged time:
9 h 14 min
